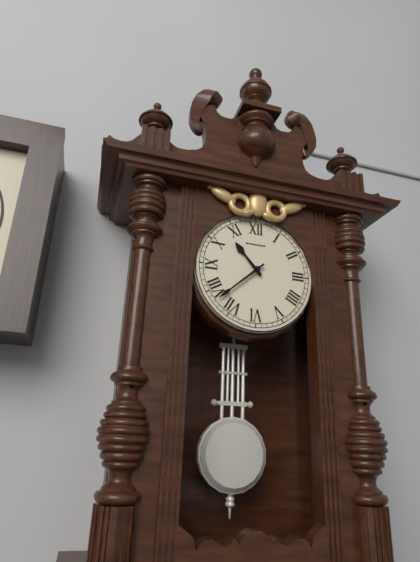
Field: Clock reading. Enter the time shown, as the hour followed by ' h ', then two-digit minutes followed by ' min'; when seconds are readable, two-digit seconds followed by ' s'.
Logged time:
10 h 38 min
